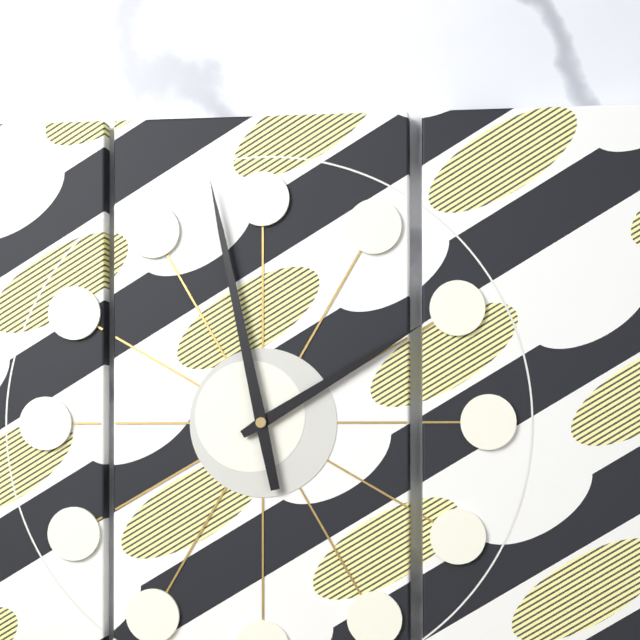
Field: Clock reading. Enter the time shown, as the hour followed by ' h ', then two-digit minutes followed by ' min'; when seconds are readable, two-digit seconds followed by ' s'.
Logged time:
1 h 58 min
